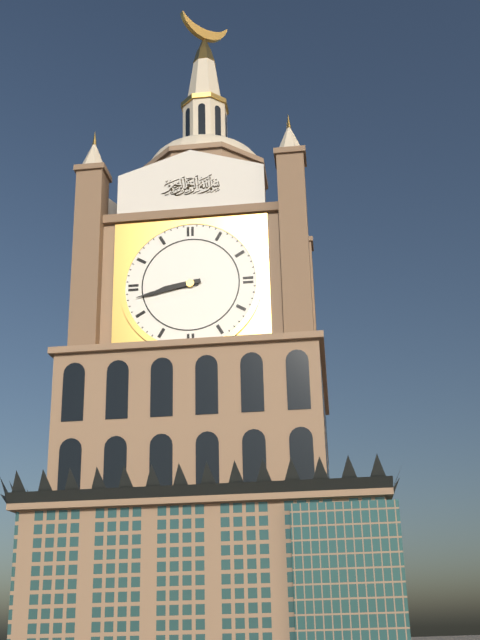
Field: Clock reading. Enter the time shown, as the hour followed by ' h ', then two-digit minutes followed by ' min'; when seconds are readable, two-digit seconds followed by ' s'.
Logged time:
8 h 43 min
